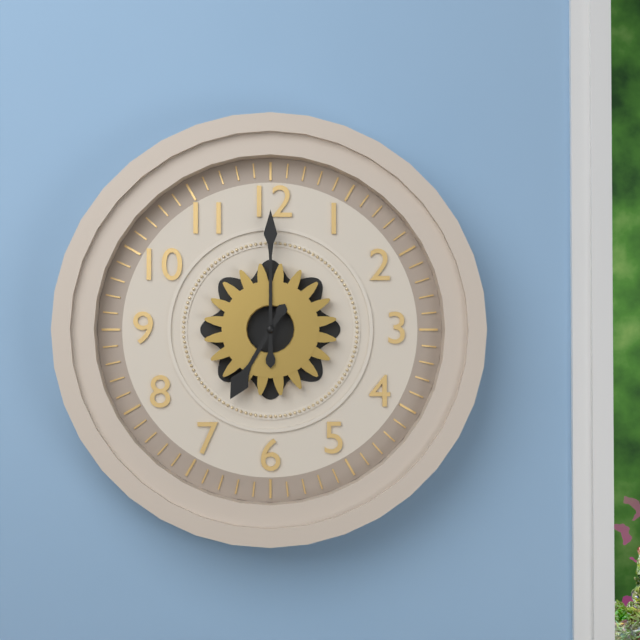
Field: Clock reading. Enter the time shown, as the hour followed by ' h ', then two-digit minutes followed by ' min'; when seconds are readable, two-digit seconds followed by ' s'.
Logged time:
7 h 00 min
